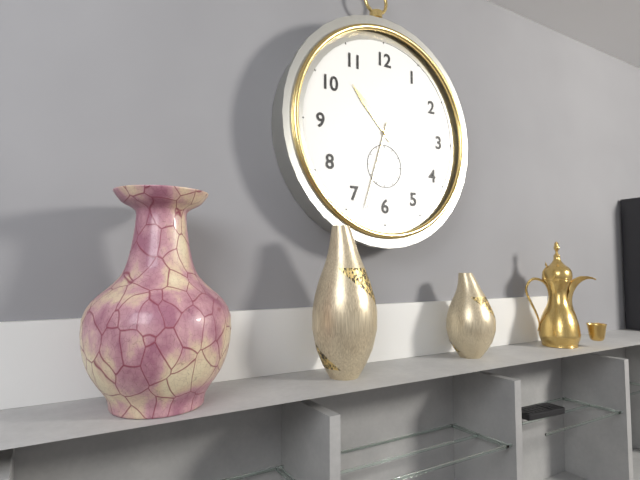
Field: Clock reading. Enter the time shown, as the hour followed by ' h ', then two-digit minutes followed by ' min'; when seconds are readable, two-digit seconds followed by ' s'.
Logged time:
10 h 33 min
